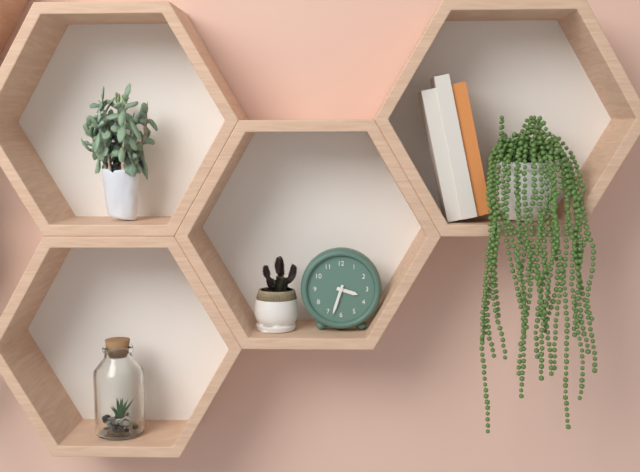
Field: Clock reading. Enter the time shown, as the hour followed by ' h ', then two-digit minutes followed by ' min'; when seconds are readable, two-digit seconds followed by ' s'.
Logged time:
3 h 33 min
